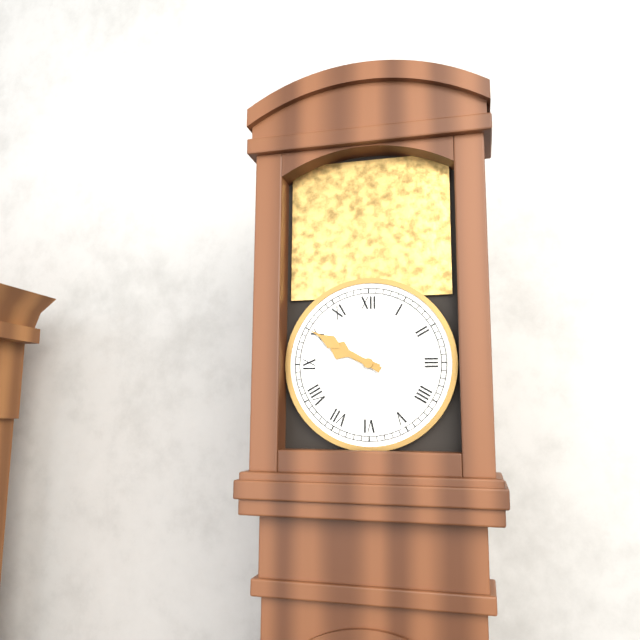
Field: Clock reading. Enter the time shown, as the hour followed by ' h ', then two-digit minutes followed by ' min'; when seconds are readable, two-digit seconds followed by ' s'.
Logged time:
9 h 50 min
